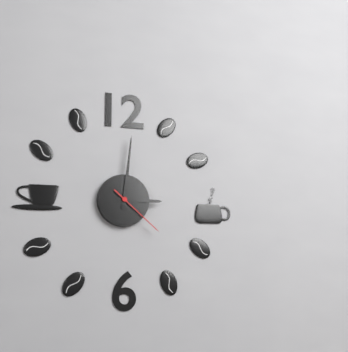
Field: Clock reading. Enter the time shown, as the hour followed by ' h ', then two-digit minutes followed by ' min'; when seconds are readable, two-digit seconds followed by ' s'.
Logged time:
3 h 01 min 22 s
